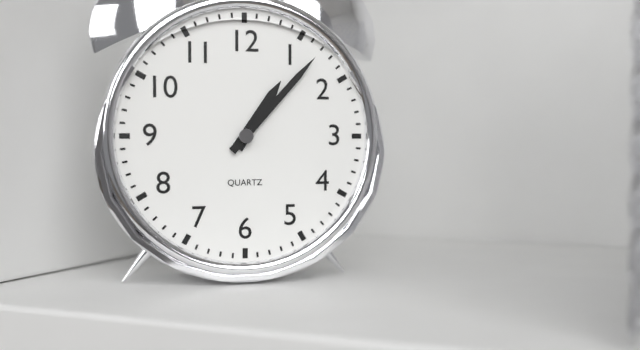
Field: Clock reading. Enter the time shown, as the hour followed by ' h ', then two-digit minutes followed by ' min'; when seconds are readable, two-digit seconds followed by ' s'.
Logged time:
1 h 07 min
